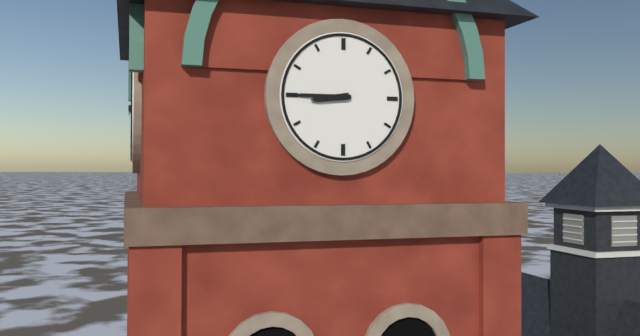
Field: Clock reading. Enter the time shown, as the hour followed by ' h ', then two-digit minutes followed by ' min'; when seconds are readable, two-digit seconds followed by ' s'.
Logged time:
8 h 45 min
